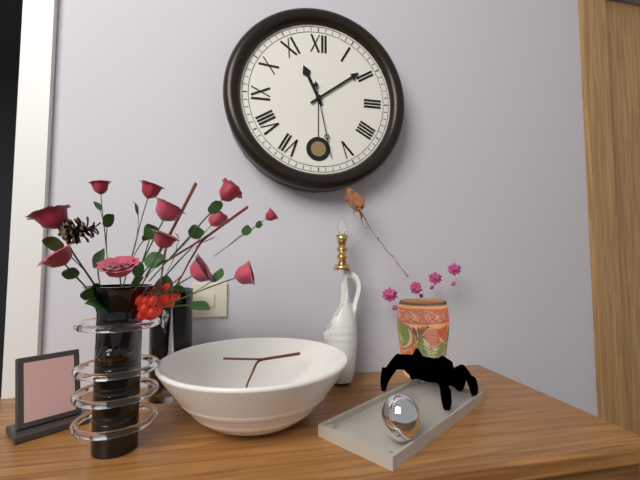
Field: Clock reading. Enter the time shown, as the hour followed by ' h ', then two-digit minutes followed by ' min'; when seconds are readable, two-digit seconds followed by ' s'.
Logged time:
11 h 09 min 28 s
